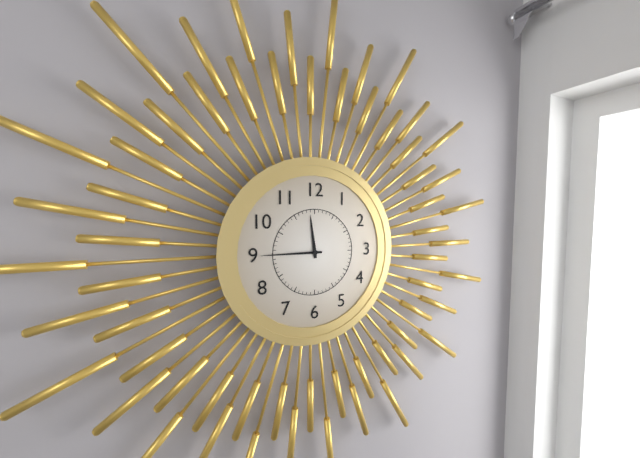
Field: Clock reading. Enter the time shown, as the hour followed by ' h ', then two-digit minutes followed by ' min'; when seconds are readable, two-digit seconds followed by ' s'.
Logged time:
11 h 45 min
